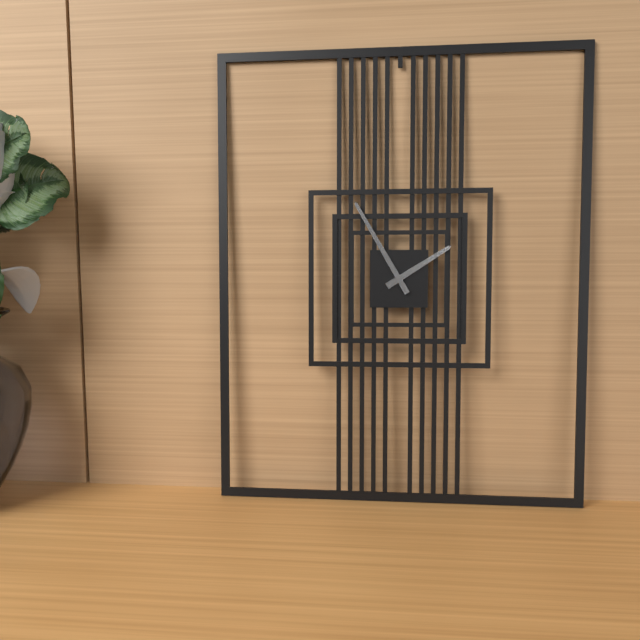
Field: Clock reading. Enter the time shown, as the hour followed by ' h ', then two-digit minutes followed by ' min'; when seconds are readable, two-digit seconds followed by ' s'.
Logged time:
1 h 55 min
